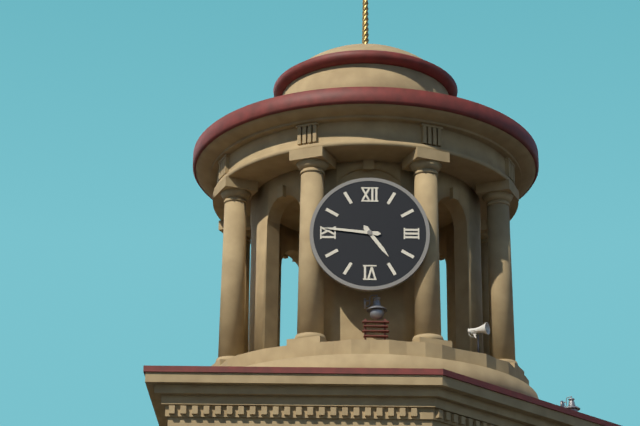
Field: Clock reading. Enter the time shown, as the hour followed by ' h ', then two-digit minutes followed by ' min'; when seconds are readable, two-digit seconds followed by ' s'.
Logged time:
4 h 46 min
